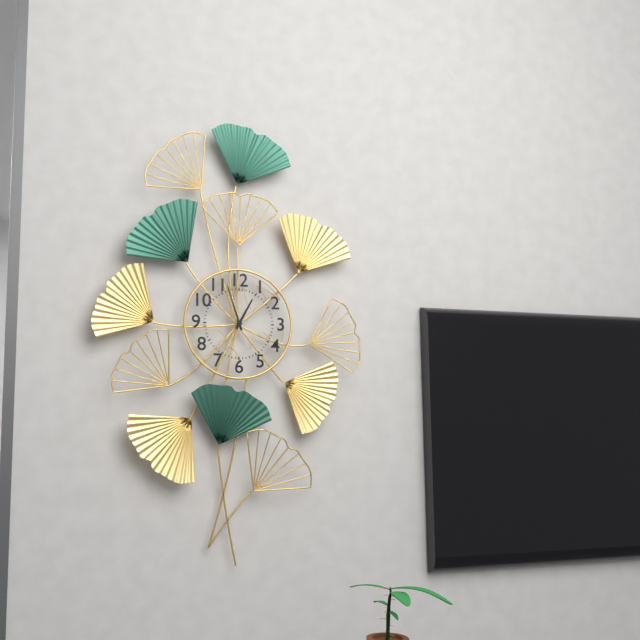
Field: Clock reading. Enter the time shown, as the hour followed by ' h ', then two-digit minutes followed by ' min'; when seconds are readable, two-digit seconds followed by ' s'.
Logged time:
12 h 57 min
